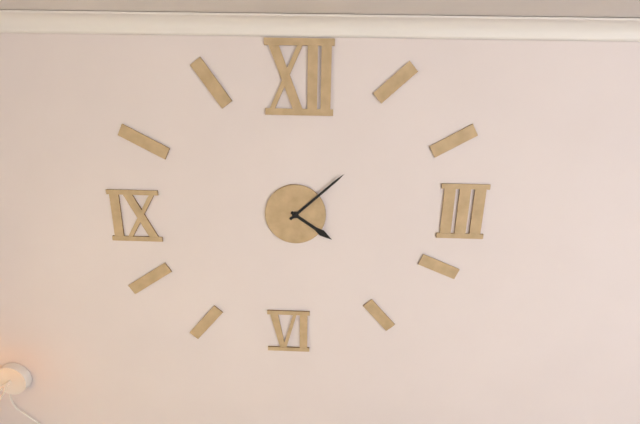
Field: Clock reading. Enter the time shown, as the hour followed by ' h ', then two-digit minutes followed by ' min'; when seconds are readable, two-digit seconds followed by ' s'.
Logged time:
4 h 08 min
